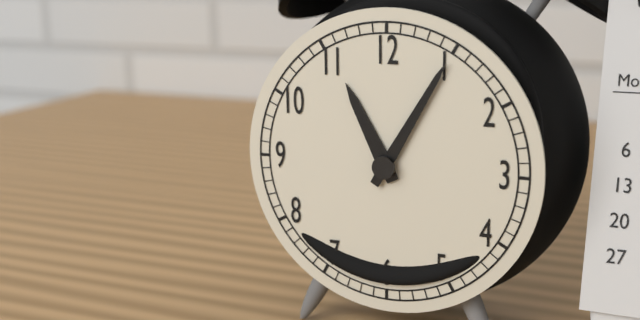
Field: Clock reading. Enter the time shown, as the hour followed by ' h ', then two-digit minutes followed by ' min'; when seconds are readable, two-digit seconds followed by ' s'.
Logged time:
11 h 05 min
